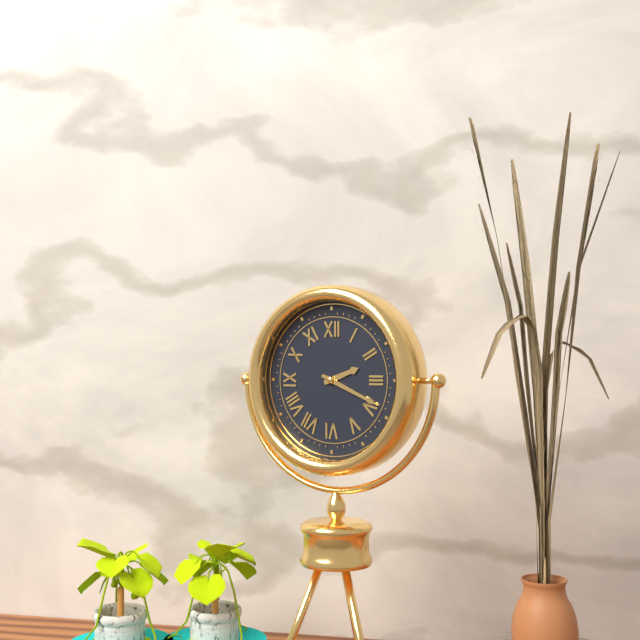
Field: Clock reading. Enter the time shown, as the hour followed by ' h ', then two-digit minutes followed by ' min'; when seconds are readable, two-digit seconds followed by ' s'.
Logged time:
2 h 19 min
